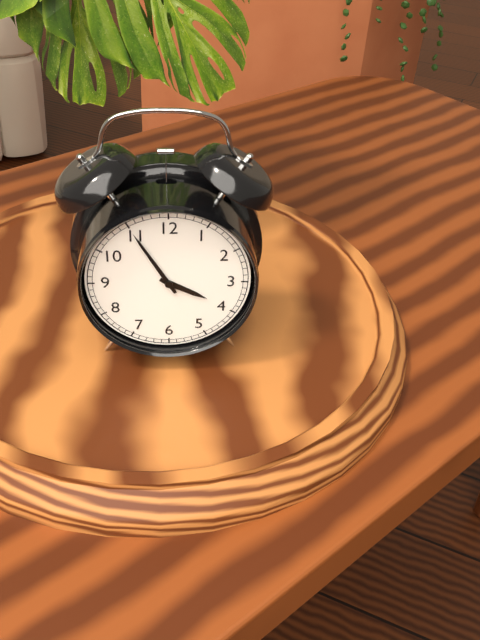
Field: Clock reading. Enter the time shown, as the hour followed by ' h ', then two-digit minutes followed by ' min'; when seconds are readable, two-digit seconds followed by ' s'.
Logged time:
3 h 55 min
